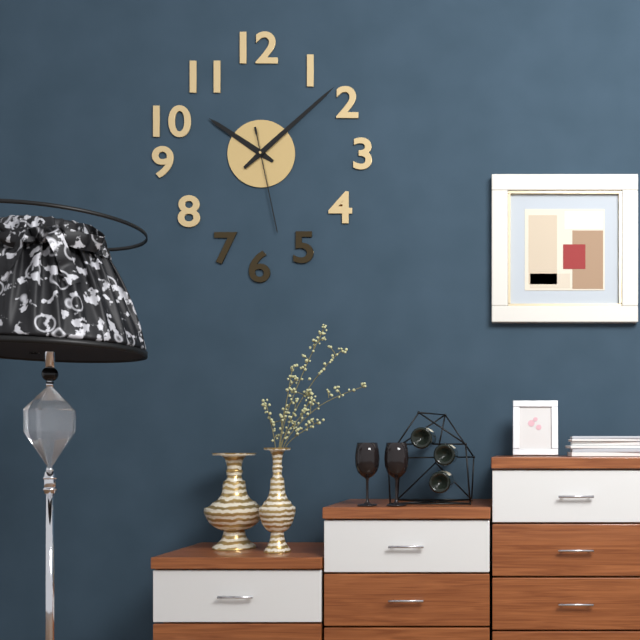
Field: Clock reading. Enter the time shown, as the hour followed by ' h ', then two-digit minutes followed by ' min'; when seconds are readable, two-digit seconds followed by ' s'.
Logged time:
10 h 08 min 28 s
